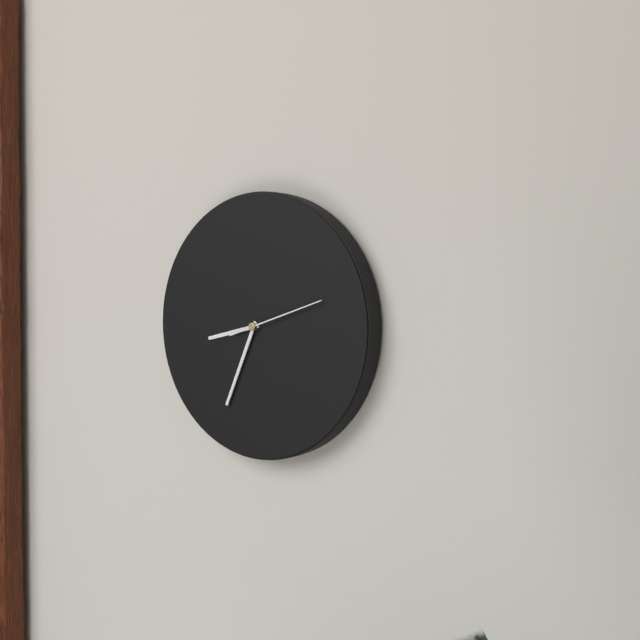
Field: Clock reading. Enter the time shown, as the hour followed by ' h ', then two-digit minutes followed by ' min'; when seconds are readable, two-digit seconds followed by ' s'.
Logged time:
8 h 34 min 12 s
